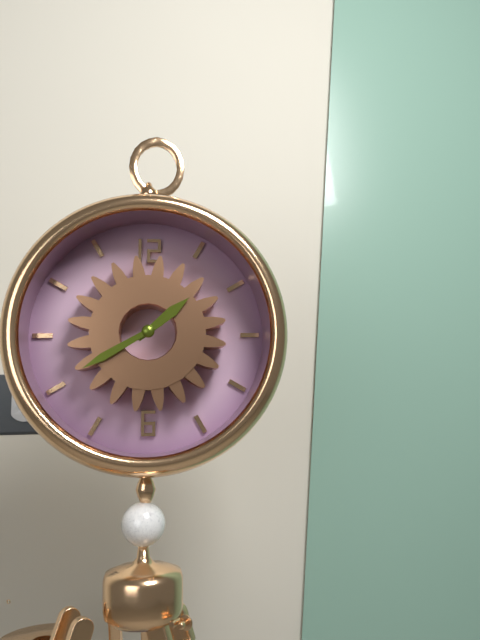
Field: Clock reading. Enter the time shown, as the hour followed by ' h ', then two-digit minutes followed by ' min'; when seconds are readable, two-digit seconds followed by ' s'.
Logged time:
1 h 40 min
